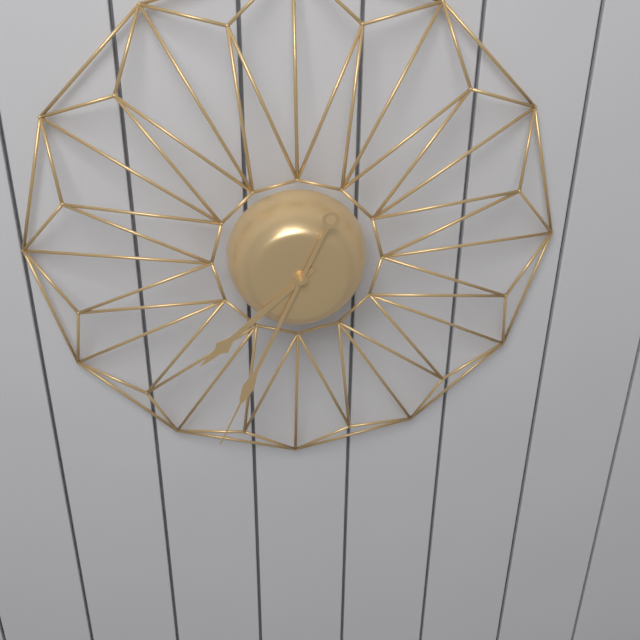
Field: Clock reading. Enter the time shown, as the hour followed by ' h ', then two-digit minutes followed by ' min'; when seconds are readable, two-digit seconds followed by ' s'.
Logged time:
7 h 34 min
